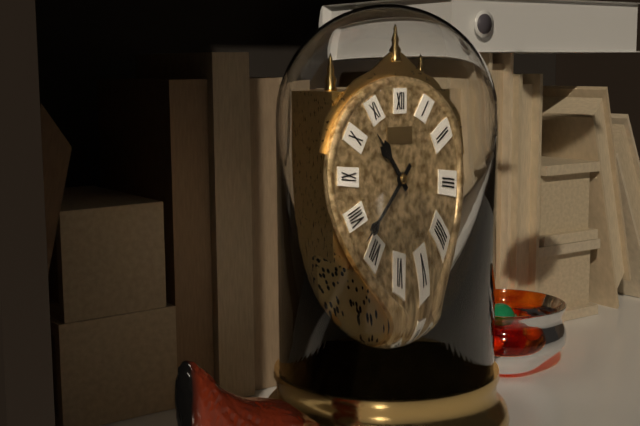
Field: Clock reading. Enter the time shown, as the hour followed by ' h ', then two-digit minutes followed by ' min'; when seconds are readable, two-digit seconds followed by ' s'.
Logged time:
10 h 37 min
